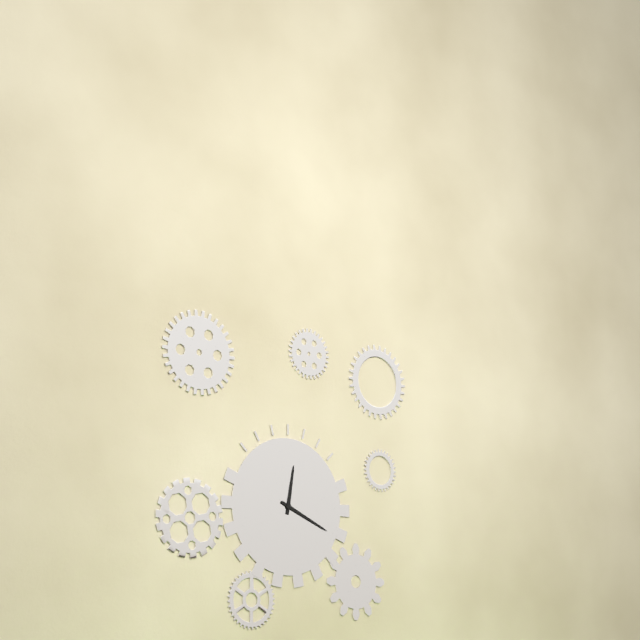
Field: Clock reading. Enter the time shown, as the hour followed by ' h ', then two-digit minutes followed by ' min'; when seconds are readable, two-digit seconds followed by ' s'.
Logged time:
12 h 19 min
